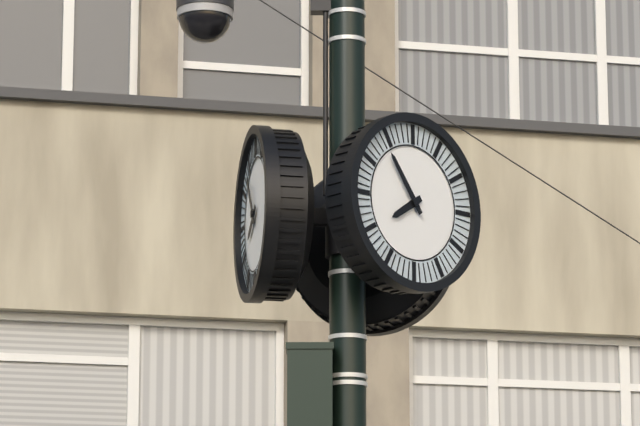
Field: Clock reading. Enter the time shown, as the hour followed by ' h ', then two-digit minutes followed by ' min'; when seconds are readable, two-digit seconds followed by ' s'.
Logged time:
7 h 54 min
